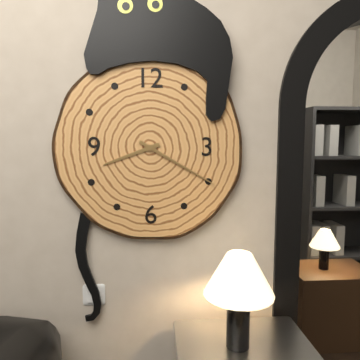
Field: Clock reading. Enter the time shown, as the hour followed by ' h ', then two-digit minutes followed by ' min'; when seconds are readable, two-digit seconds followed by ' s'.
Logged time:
8 h 20 min
